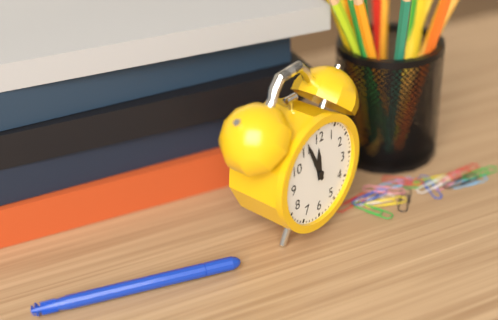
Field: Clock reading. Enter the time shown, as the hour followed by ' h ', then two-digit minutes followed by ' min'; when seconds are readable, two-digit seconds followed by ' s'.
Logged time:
11 h 56 min
